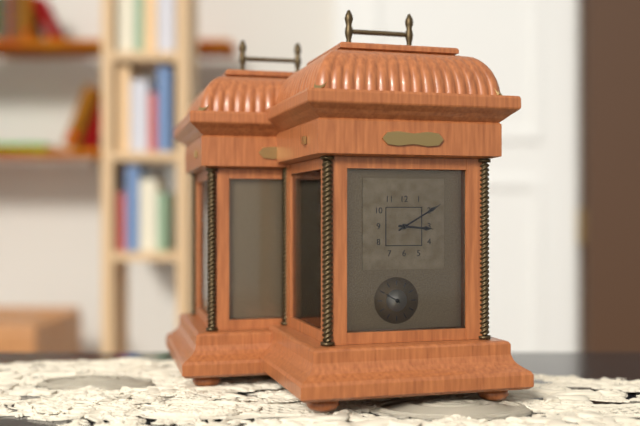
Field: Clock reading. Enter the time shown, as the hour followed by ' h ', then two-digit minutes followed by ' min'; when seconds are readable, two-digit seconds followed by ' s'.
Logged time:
3 h 10 min
